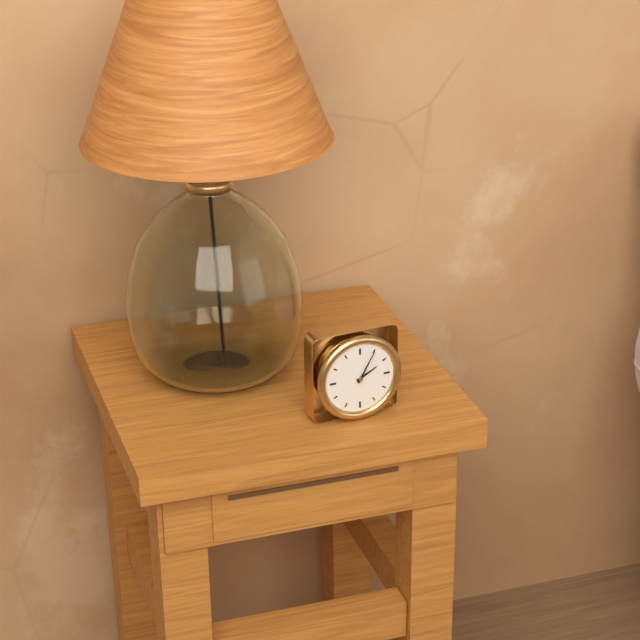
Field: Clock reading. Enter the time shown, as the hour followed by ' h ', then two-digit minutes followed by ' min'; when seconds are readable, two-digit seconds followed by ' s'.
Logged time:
2 h 05 min
